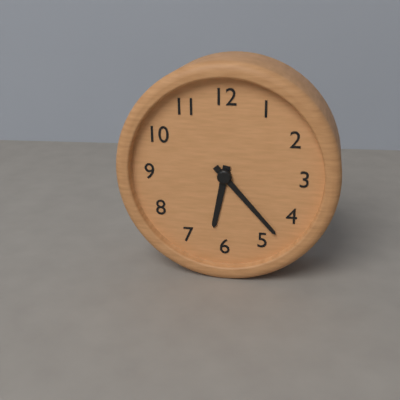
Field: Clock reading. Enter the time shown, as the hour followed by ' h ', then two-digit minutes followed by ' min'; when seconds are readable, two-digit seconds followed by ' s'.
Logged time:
6 h 23 min
